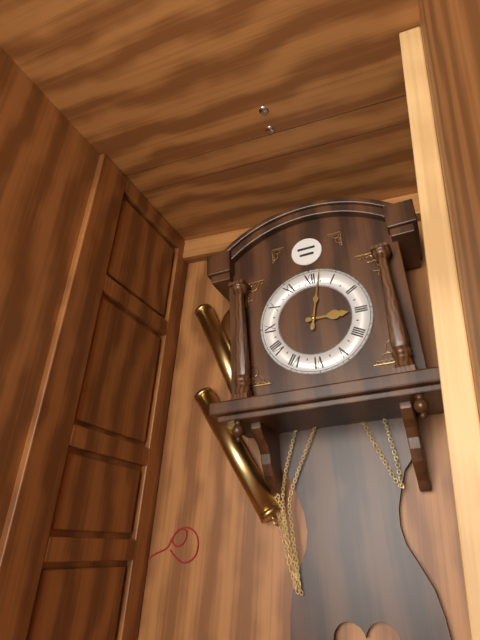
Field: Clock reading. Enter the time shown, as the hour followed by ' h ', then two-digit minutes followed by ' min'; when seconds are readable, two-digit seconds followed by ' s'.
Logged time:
3 h 02 min
